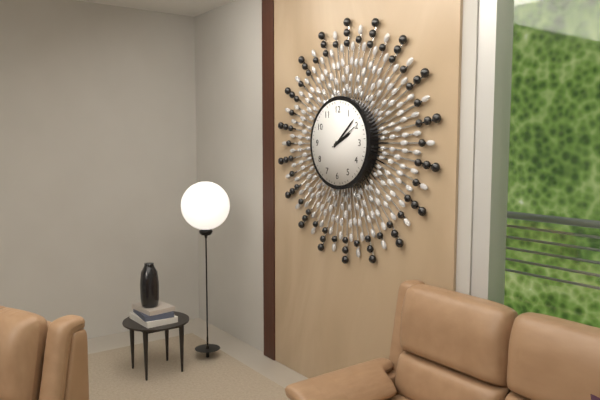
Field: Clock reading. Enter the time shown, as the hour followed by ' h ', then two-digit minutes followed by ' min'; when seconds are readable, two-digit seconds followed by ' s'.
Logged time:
2 h 08 min
